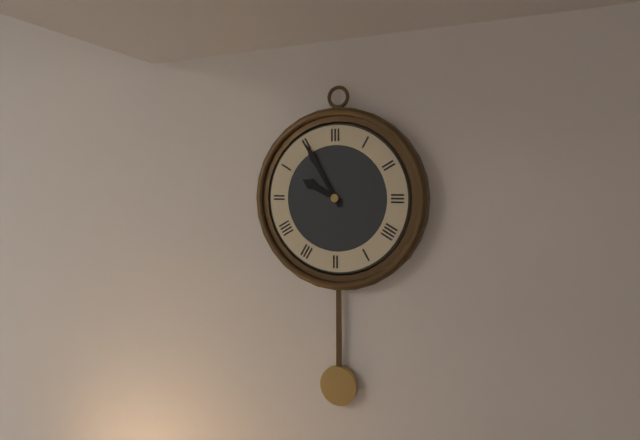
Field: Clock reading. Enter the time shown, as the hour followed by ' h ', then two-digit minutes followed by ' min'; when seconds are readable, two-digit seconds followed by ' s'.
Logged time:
9 h 55 min
